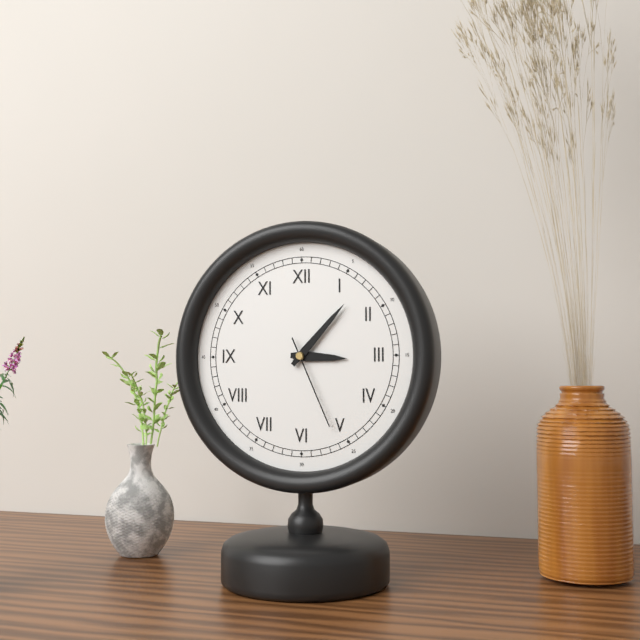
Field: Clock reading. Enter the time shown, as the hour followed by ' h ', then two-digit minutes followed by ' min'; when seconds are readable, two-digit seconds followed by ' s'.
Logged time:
3 h 07 min 26 s
